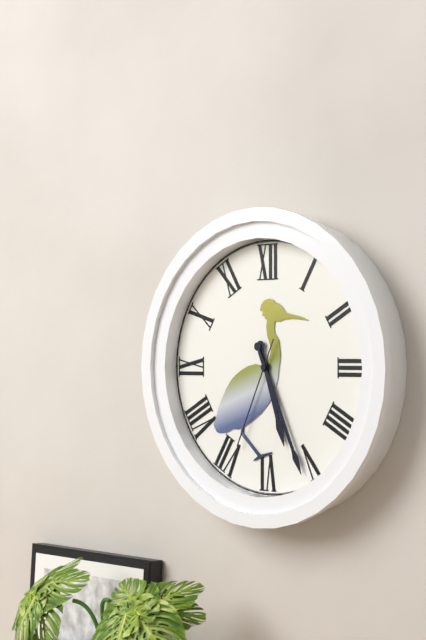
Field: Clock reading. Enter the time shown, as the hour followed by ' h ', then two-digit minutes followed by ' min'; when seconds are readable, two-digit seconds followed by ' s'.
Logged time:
5 h 26 min 34 s
